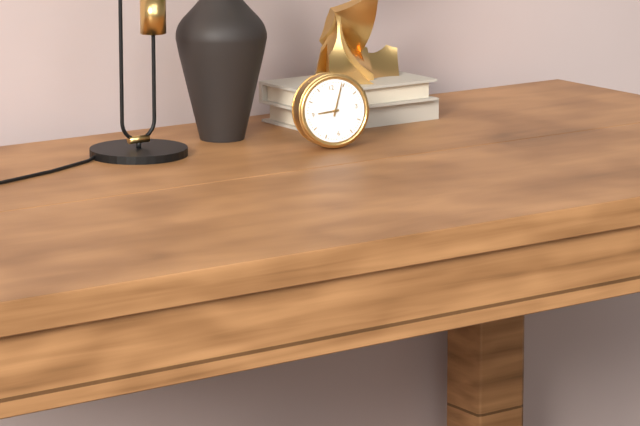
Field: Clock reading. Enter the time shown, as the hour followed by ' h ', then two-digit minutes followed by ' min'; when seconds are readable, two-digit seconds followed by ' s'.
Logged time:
9 h 04 min
